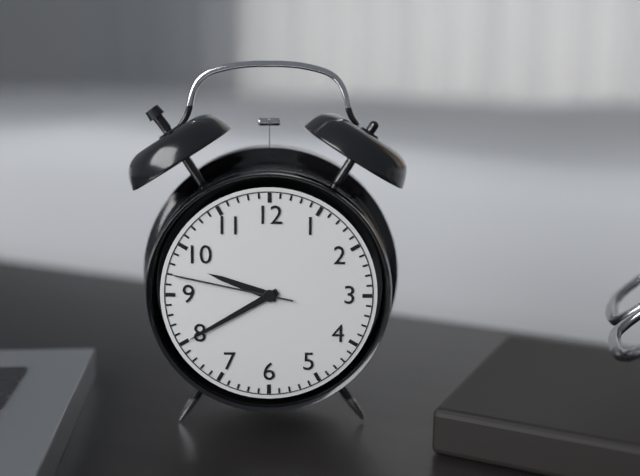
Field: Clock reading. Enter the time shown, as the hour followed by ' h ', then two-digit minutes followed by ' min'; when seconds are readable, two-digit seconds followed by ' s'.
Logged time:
9 h 40 min 47 s
